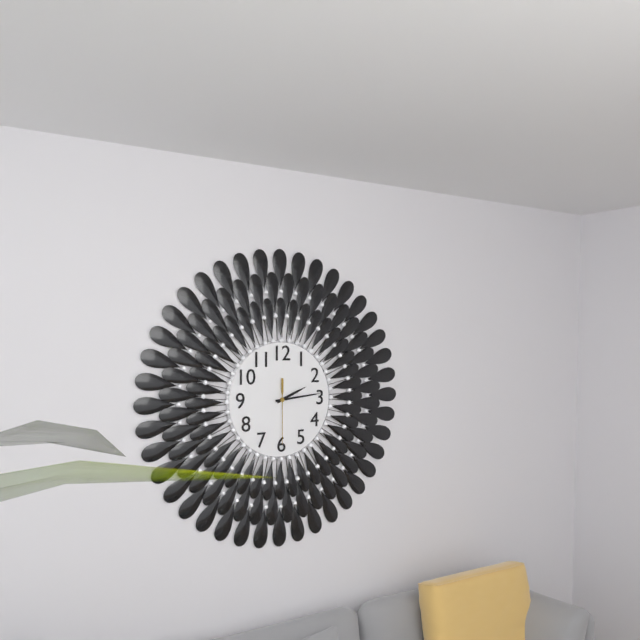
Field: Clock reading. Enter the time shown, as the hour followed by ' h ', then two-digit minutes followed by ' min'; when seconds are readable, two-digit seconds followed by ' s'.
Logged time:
2 h 14 min 30 s
